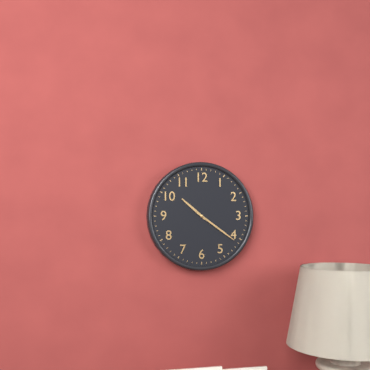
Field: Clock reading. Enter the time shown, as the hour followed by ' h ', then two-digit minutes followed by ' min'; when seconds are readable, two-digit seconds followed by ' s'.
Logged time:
10 h 21 min
